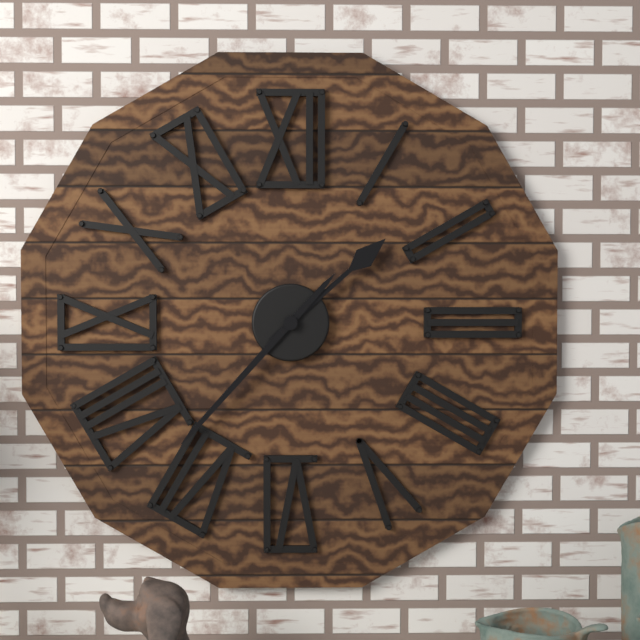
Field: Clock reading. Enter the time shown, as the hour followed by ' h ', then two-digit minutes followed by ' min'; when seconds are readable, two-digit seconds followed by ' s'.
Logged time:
1 h 37 min
